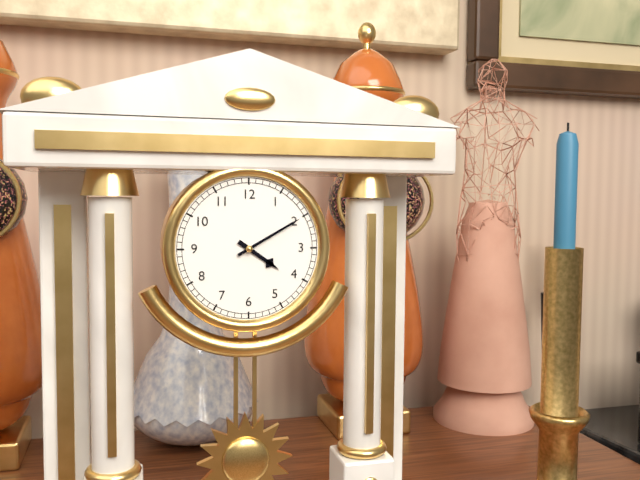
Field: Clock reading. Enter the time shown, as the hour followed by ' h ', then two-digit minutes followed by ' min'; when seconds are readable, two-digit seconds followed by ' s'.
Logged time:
4 h 10 min
